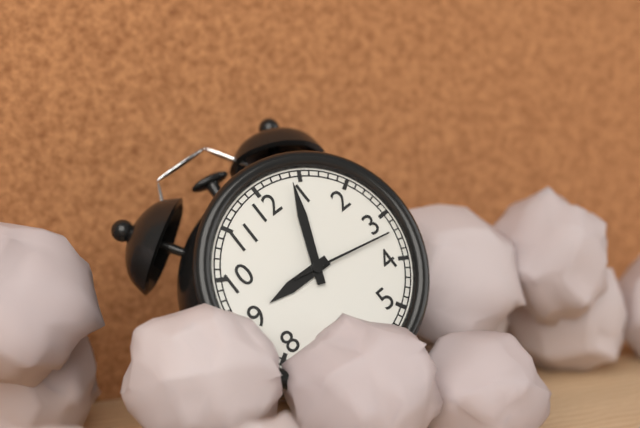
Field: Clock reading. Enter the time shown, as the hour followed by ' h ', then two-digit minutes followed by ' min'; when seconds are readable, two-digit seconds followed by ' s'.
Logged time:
9 h 04 min 17 s
